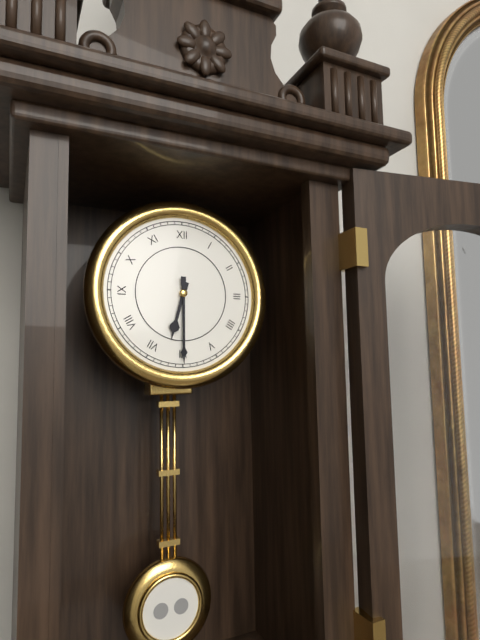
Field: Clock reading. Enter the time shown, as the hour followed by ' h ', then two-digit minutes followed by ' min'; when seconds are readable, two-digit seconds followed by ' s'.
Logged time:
6 h 30 min
